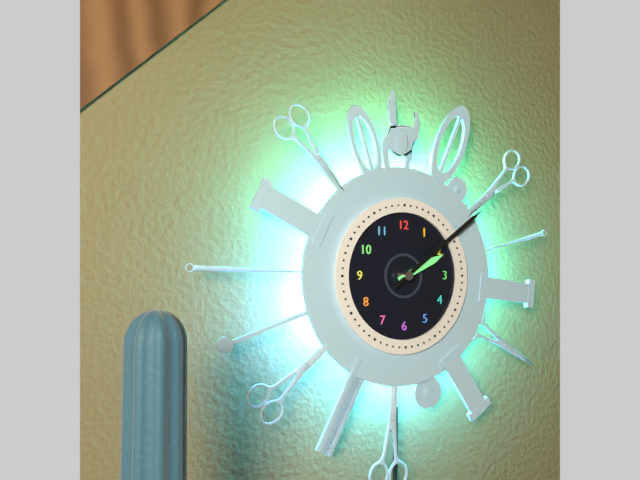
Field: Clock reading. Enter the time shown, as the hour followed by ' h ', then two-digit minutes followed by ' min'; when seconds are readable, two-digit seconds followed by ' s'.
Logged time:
2 h 09 min
